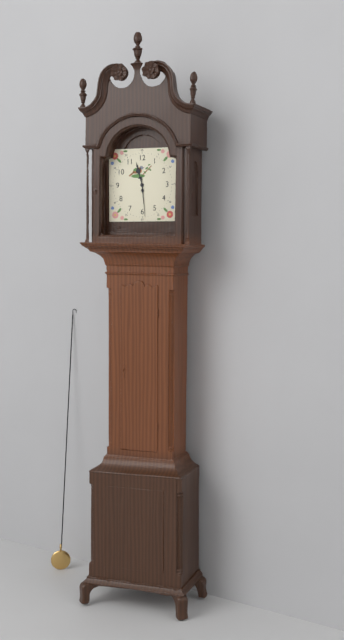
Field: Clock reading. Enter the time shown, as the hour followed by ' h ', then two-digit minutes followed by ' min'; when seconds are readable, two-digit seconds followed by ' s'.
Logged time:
11 h 29 min
